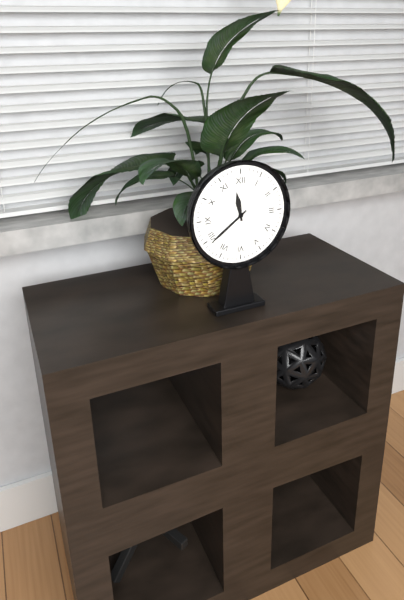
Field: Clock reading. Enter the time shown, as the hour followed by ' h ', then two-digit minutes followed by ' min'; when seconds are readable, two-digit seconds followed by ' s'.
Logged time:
11 h 39 min
